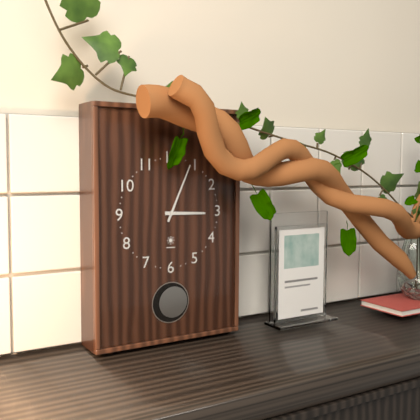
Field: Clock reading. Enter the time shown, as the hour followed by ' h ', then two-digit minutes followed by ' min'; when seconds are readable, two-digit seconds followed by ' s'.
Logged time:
3 h 04 min
